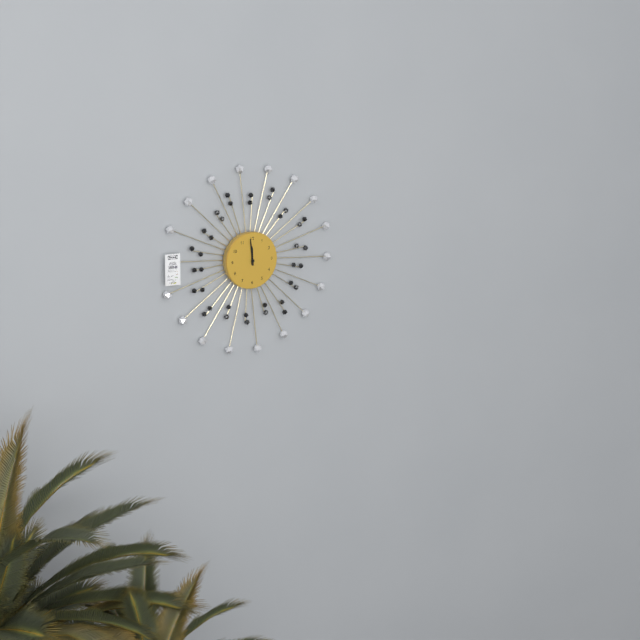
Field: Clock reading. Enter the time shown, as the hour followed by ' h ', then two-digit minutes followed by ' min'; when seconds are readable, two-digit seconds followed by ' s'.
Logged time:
11 h 59 min
